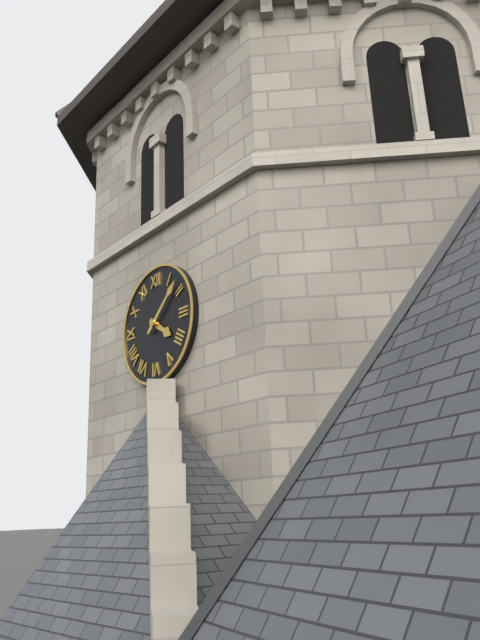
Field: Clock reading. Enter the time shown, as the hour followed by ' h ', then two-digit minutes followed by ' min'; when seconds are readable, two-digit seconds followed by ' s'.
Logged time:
4 h 08 min
